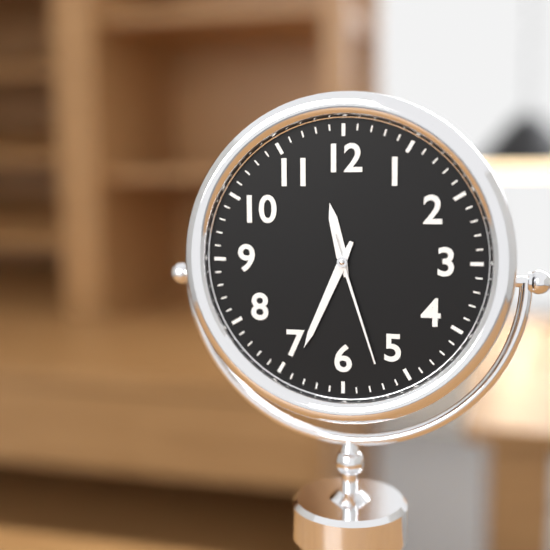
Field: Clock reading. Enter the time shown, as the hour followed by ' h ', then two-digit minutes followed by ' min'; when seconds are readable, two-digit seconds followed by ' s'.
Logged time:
11 h 34 min 27 s
